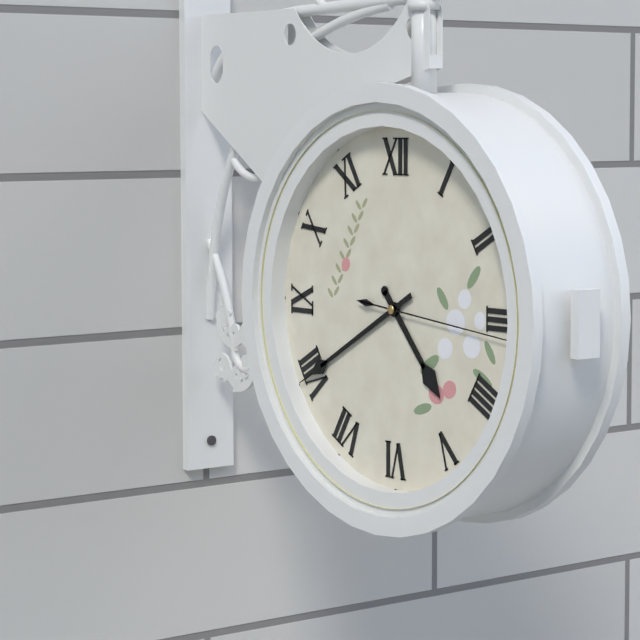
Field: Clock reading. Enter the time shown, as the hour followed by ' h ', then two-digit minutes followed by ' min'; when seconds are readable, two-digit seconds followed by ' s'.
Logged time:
4 h 40 min 16 s
